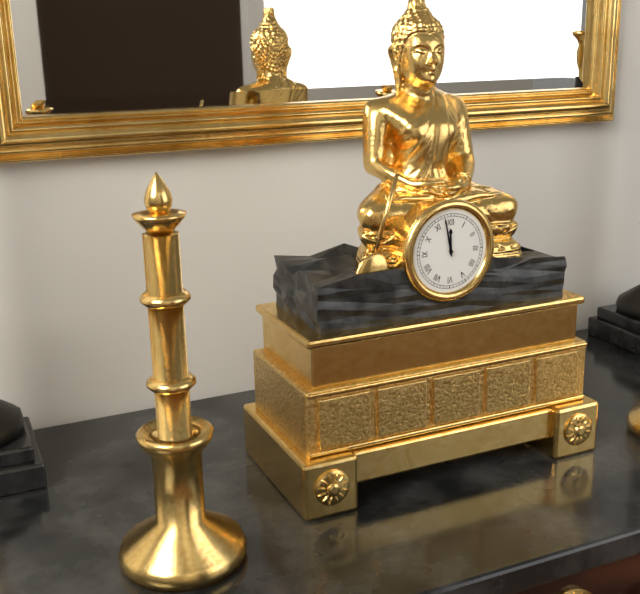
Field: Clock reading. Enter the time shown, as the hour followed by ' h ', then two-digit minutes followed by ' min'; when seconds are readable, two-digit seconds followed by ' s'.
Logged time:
11 h 58 min
